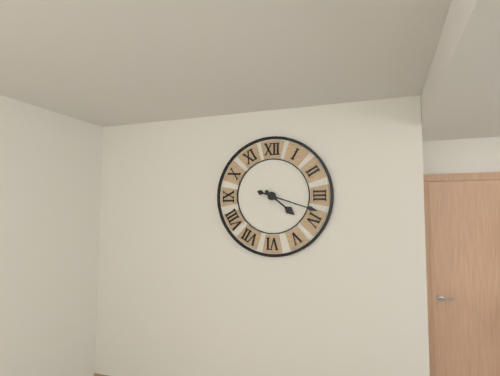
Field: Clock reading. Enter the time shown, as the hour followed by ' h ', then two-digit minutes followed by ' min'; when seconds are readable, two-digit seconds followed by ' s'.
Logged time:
4 h 18 min
